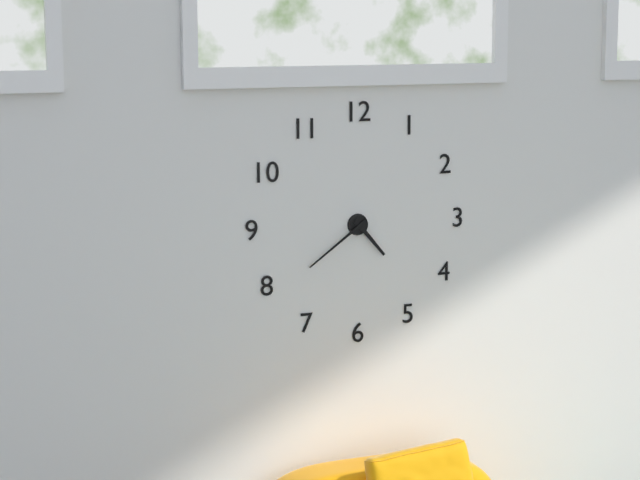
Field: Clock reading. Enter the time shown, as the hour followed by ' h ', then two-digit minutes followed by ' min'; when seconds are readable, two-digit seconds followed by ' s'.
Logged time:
4 h 39 min
